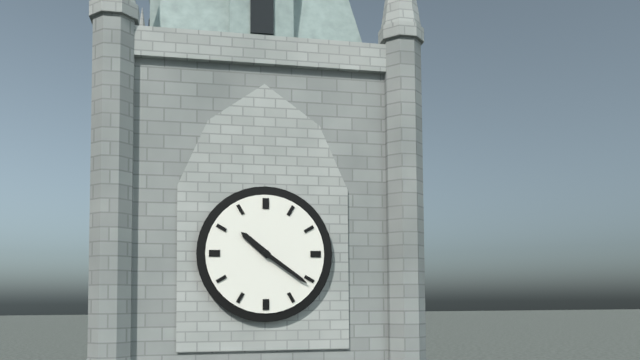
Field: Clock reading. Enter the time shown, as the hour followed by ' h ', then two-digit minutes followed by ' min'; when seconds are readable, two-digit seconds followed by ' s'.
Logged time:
10 h 21 min
